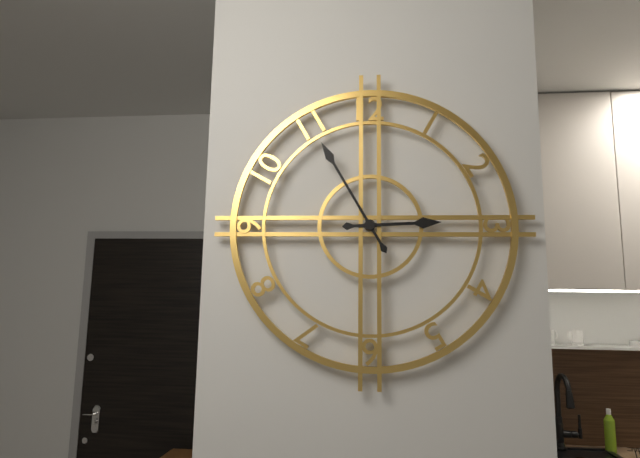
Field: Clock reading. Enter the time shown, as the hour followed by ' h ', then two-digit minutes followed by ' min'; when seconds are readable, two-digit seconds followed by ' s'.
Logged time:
2 h 55 min
